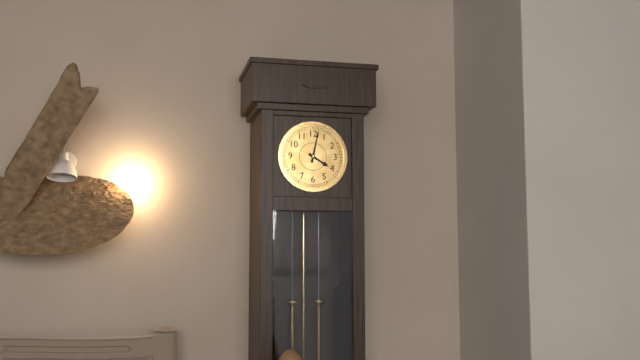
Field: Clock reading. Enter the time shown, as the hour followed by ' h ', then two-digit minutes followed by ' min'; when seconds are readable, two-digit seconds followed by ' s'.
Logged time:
4 h 02 min
